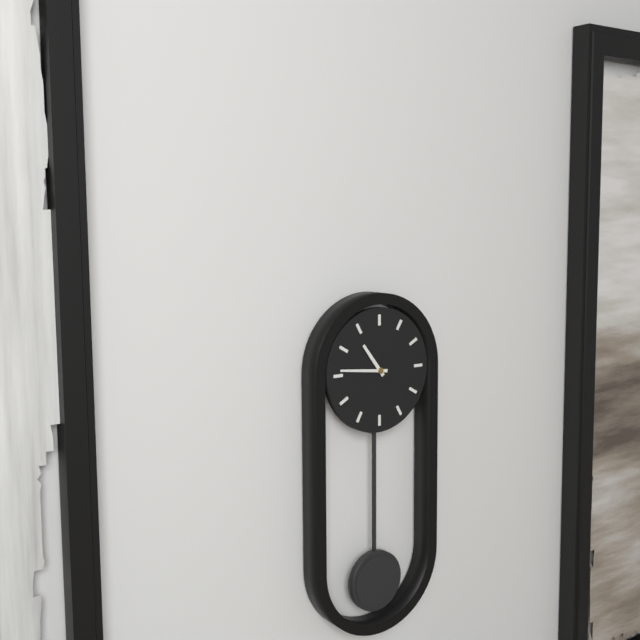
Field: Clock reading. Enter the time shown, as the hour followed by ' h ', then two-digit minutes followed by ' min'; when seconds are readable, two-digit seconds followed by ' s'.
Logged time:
10 h 46 min
